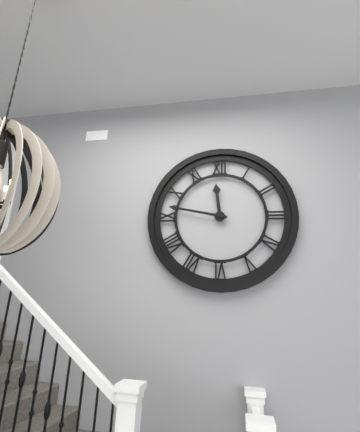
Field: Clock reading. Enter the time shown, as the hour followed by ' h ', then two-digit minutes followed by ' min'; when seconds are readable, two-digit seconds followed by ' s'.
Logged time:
11 h 47 min
